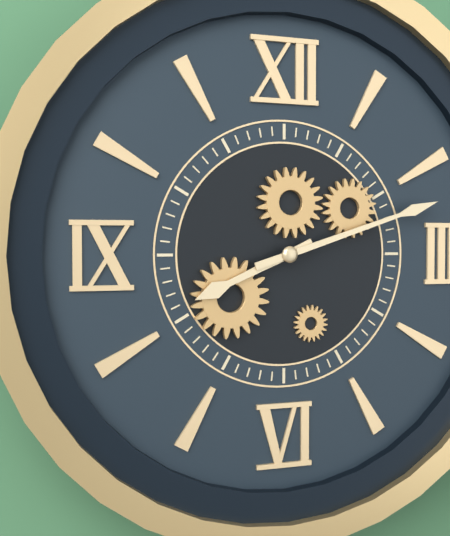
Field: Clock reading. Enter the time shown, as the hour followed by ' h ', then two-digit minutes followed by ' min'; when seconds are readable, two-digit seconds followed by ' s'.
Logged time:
8 h 12 min
